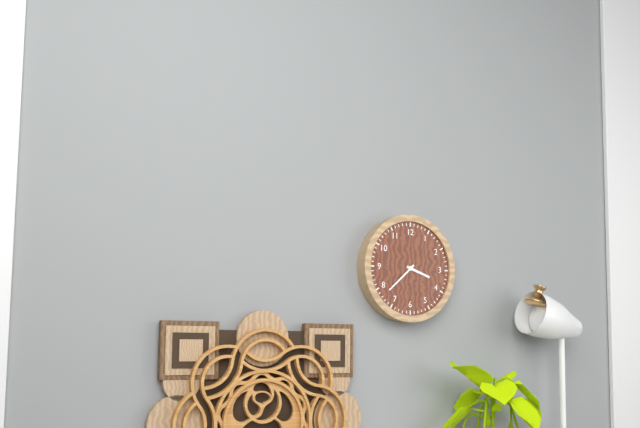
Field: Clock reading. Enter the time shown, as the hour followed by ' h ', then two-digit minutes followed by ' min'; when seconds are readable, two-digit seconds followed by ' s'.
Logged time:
3 h 38 min
